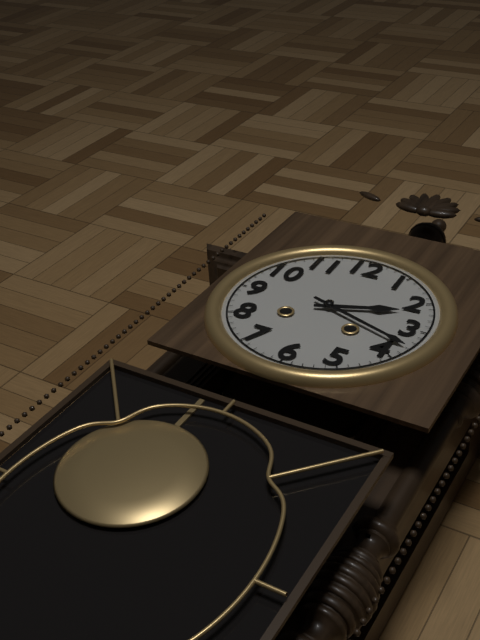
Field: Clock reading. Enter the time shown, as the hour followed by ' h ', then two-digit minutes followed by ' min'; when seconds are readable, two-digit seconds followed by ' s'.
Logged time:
2 h 18 min
